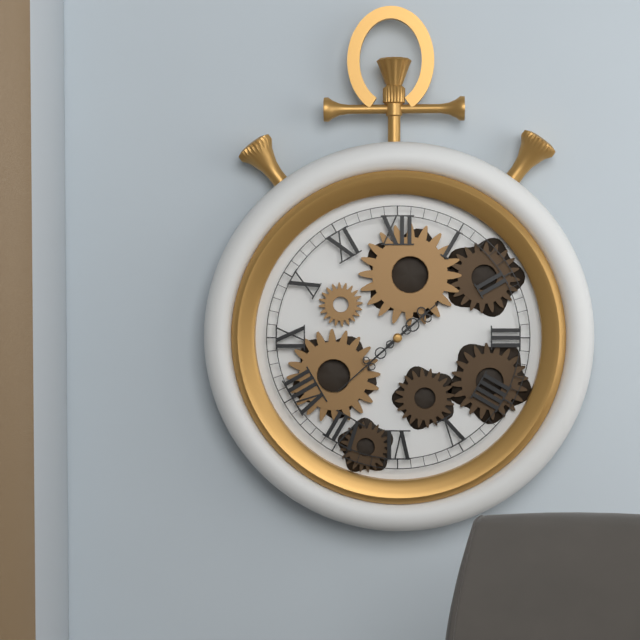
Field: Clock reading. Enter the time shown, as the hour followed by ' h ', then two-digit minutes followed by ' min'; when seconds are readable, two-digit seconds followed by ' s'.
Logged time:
1 h 38 min
